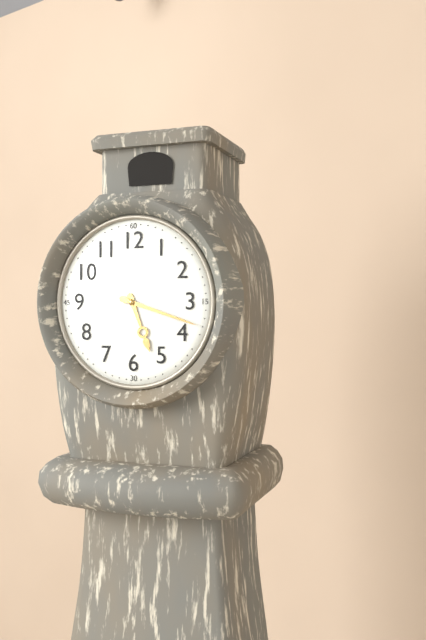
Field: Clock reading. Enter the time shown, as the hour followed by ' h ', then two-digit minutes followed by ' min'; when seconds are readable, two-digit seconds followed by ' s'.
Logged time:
5 h 18 min
